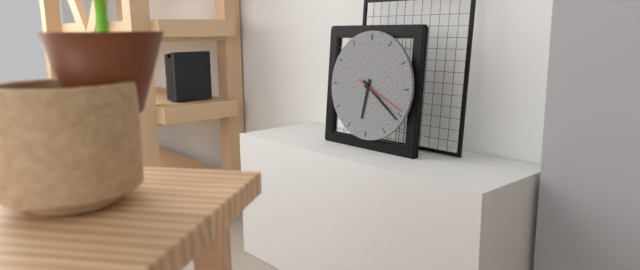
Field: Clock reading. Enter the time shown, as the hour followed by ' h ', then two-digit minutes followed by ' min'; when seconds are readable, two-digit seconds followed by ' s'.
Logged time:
6 h 21 min 19 s
